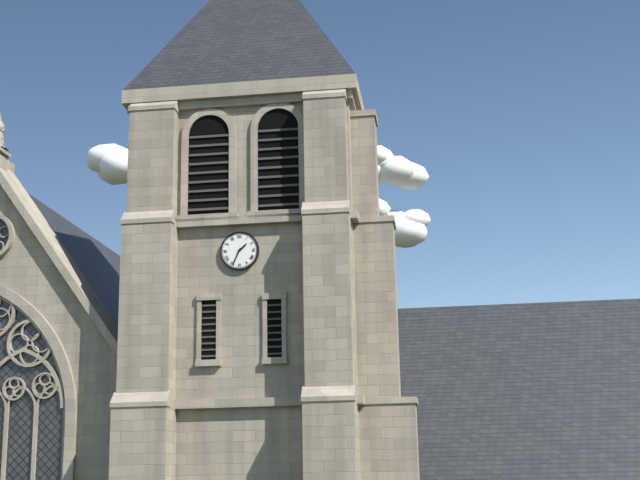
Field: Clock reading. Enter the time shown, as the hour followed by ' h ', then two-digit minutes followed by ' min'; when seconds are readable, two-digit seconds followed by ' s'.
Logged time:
1 h 34 min
